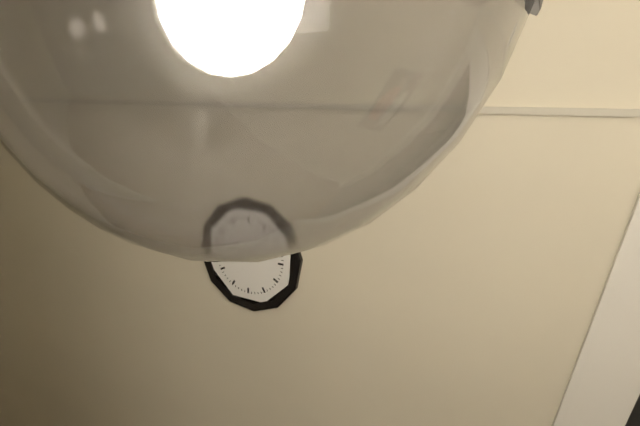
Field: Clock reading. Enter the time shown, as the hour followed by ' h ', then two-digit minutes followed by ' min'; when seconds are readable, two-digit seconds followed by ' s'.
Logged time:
9 h 08 min
